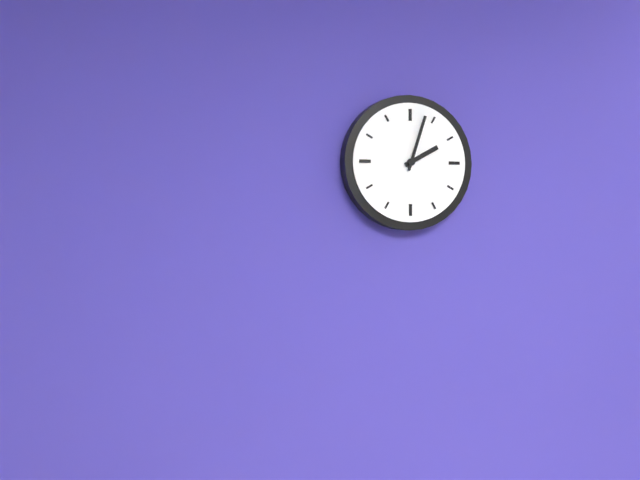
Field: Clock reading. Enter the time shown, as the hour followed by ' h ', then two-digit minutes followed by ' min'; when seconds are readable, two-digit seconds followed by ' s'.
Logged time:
2 h 03 min
